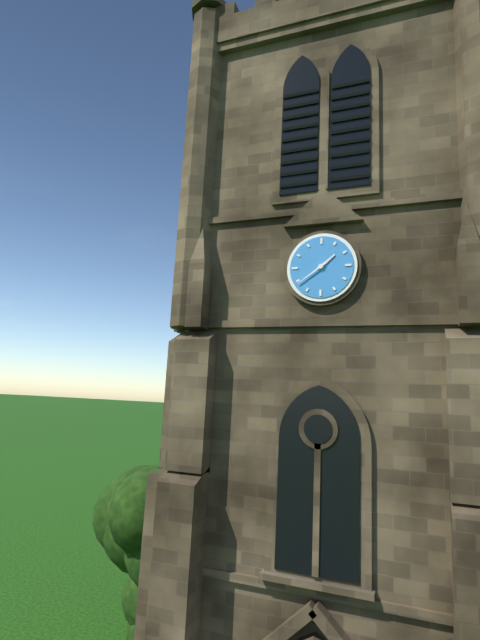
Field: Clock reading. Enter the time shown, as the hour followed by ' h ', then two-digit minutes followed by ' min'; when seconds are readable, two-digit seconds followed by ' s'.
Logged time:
1 h 39 min
